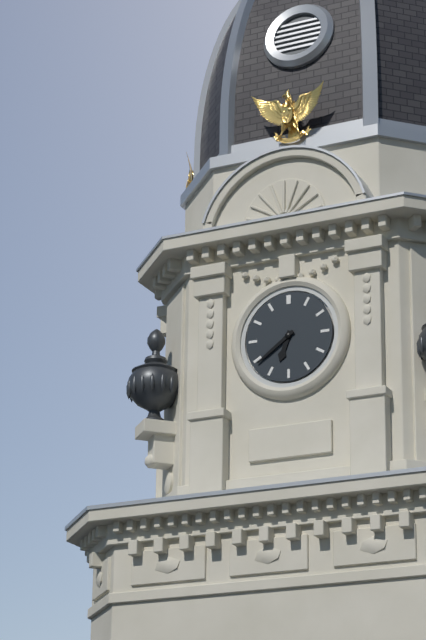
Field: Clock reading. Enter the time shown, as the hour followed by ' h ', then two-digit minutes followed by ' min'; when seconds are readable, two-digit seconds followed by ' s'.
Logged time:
6 h 39 min
